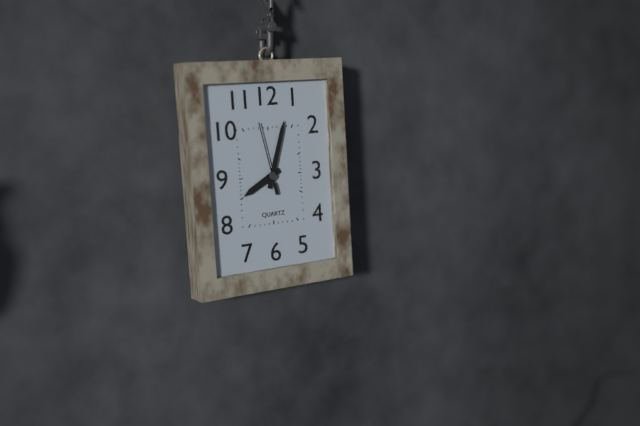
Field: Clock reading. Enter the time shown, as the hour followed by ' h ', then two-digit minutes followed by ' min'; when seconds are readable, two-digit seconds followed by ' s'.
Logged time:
8 h 03 min 58 s
